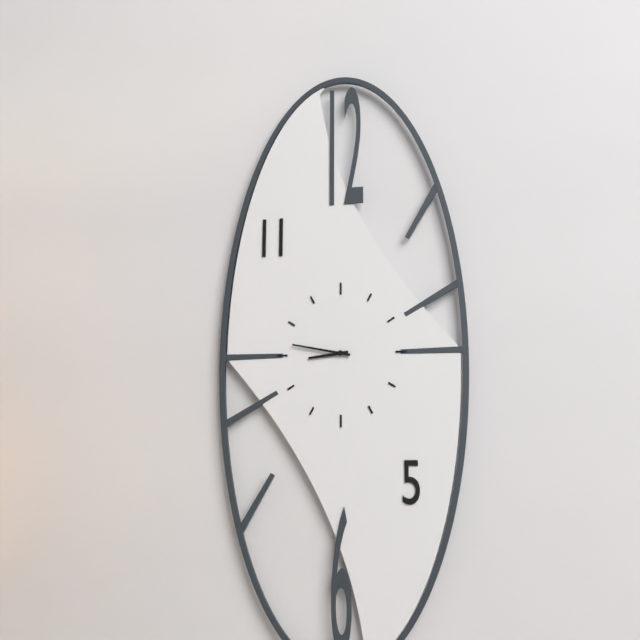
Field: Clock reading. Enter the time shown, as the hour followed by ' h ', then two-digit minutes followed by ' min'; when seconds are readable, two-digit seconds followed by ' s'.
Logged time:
8 h 47 min
